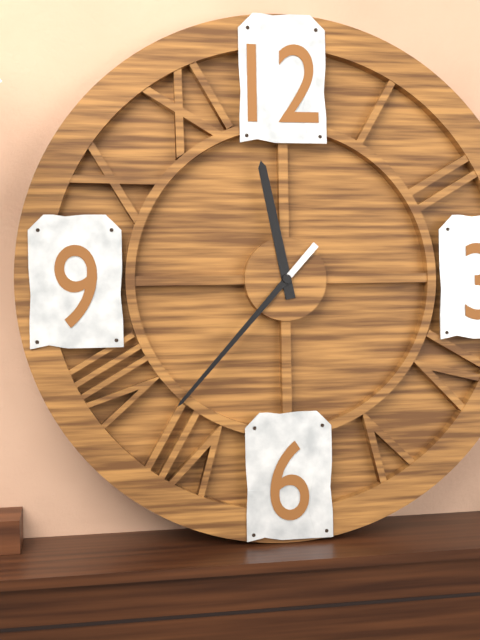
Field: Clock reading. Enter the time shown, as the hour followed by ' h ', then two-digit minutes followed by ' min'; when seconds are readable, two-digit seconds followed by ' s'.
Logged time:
11 h 37 min
